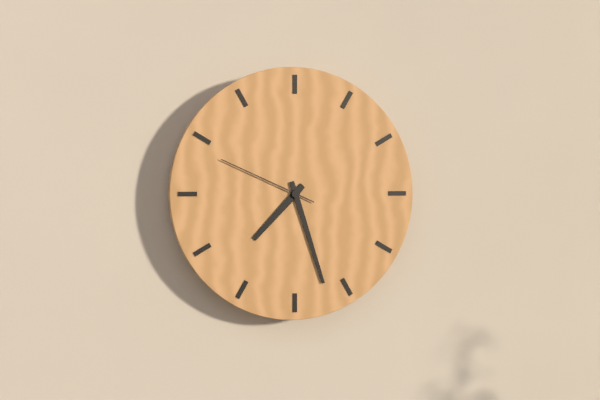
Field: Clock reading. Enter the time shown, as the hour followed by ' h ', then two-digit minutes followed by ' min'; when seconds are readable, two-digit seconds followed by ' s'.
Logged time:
7 h 27 min 49 s
